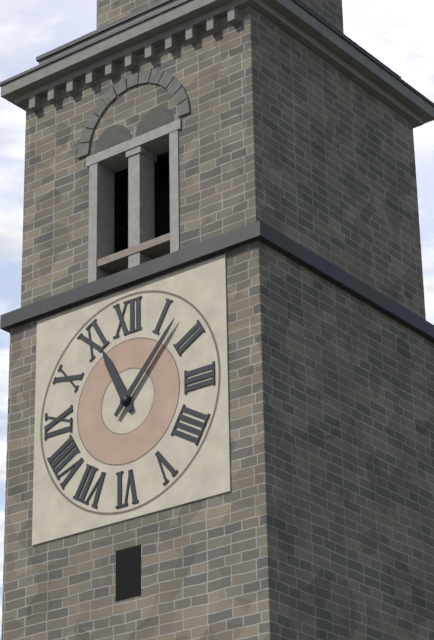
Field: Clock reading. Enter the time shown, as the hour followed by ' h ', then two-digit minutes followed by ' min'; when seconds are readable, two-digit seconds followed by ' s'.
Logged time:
11 h 07 min
